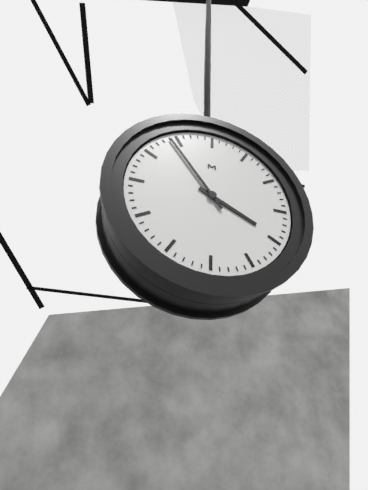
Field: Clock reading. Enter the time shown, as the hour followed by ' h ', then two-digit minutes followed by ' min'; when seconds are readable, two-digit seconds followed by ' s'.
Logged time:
3 h 54 min
